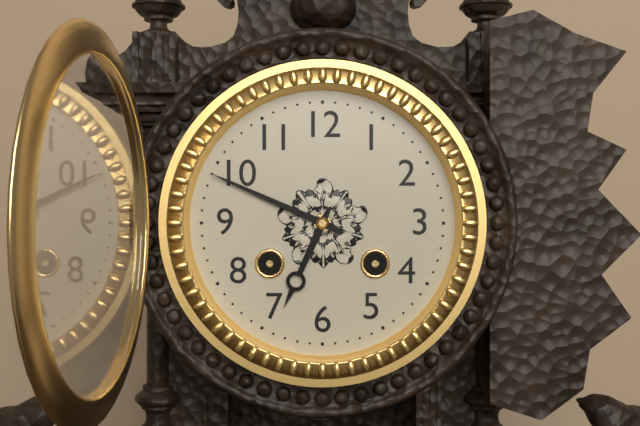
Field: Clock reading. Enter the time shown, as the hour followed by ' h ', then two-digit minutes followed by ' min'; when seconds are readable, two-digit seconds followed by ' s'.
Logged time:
6 h 49 min
